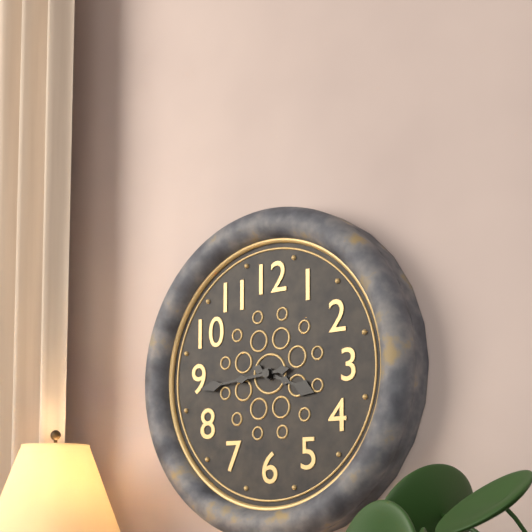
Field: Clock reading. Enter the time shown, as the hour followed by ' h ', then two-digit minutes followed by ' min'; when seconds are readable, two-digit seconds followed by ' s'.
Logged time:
3 h 44 min
